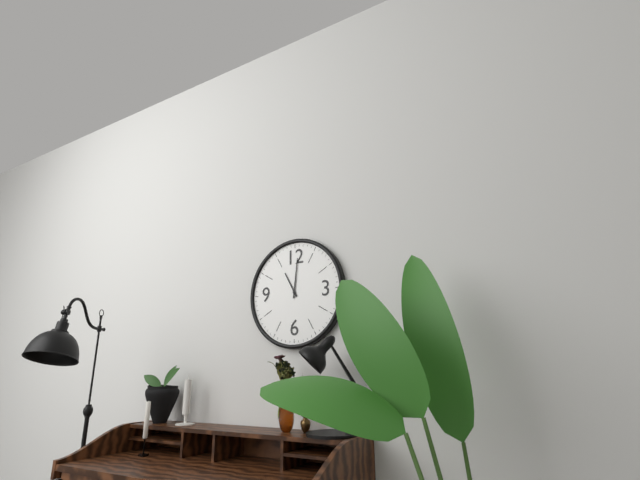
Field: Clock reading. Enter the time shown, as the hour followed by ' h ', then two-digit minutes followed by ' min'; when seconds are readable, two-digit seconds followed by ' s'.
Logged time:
11 h 01 min
